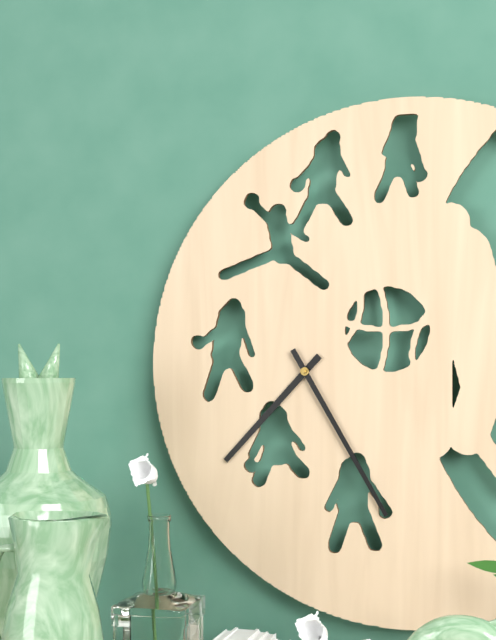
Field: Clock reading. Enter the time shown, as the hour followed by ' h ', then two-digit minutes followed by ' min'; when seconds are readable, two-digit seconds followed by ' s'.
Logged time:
7 h 25 min
